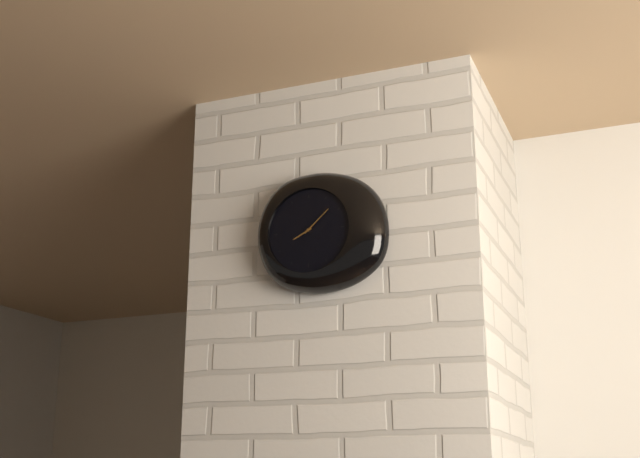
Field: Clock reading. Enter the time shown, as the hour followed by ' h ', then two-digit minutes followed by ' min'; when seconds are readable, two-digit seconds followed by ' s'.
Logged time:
8 h 08 min
